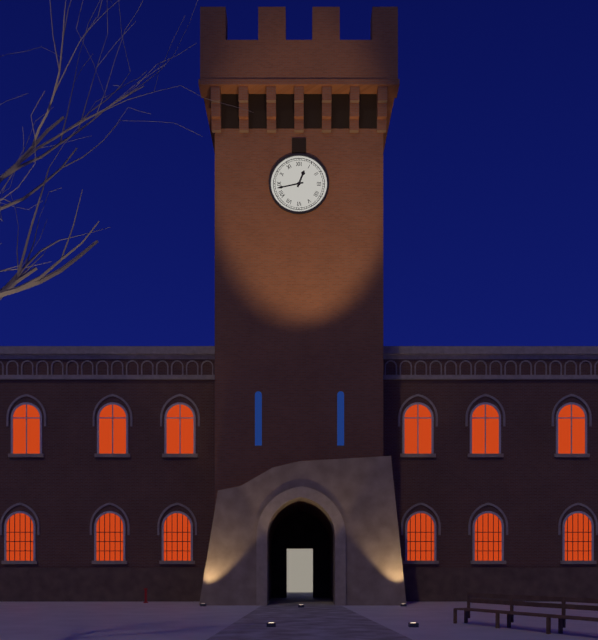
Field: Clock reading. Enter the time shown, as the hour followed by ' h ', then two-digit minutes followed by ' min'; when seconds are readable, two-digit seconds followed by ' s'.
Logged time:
12 h 43 min
